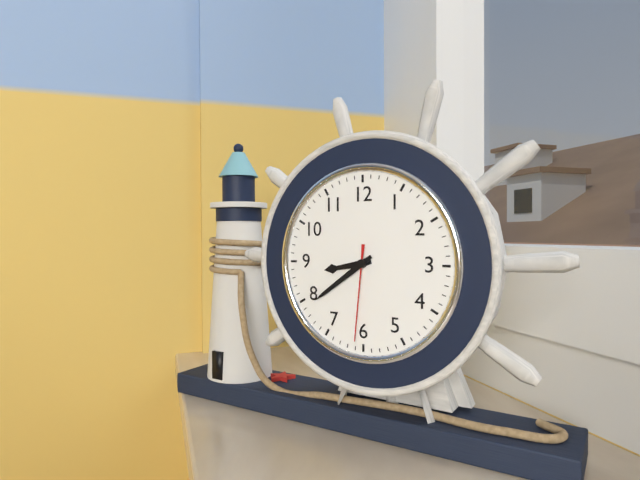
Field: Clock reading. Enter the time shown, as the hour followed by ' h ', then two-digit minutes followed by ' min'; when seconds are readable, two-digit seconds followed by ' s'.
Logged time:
8 h 39 min 31 s
